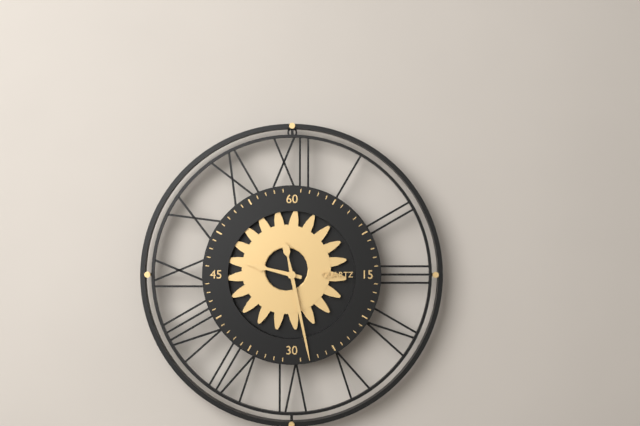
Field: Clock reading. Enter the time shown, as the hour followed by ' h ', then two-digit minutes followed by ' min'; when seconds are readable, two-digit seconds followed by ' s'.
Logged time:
9 h 28 min
